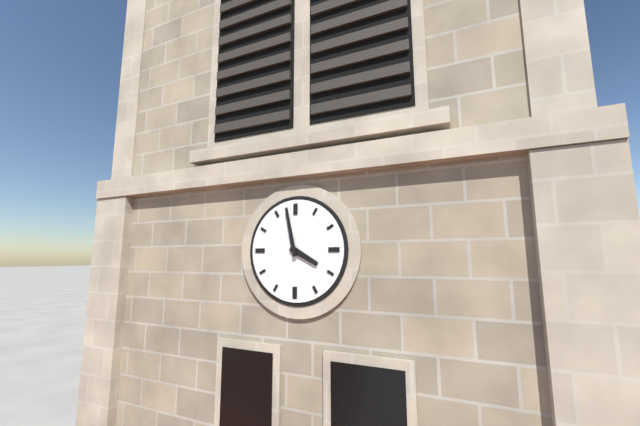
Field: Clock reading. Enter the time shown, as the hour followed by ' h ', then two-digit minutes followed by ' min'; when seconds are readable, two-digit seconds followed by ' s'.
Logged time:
3 h 58 min
